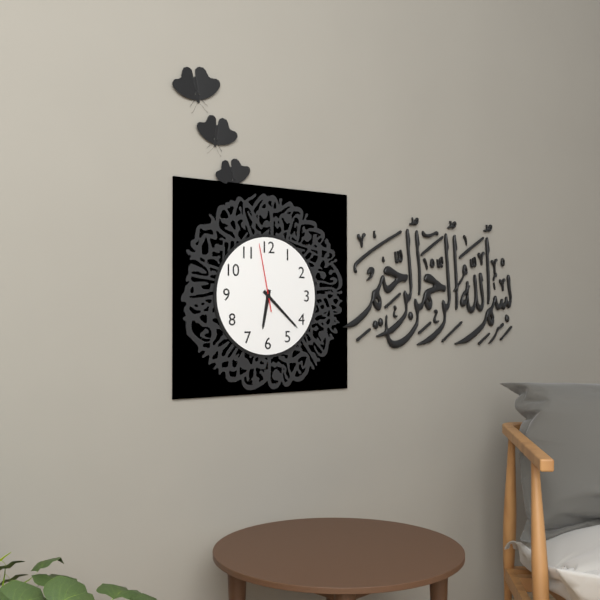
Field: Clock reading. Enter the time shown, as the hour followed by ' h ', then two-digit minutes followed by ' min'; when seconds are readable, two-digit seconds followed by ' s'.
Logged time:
6 h 22 min 58 s
